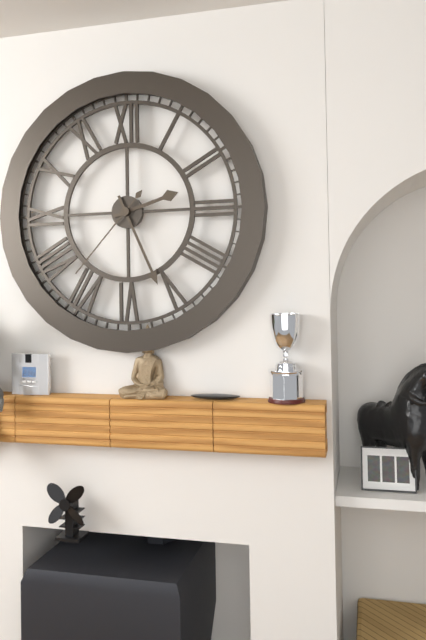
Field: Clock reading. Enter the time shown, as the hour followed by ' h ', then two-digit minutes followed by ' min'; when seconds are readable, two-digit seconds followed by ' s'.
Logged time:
2 h 26 min 37 s
